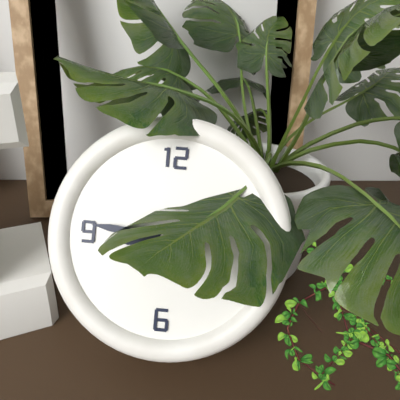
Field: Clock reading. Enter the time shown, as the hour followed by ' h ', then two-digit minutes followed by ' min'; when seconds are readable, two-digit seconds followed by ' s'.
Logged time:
8 h 46 min
